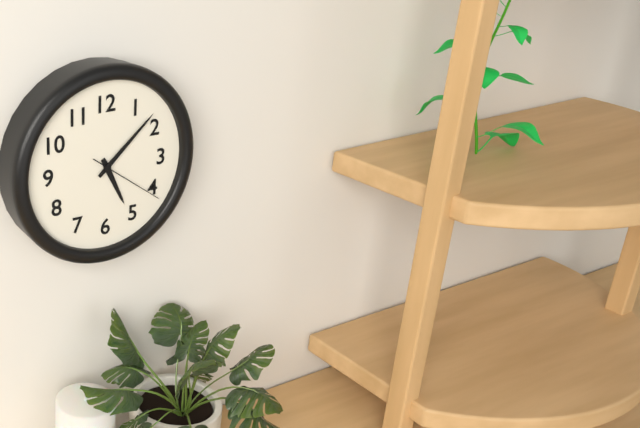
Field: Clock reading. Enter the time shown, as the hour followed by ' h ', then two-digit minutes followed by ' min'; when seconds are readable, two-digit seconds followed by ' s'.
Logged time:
5 h 08 min 21 s
